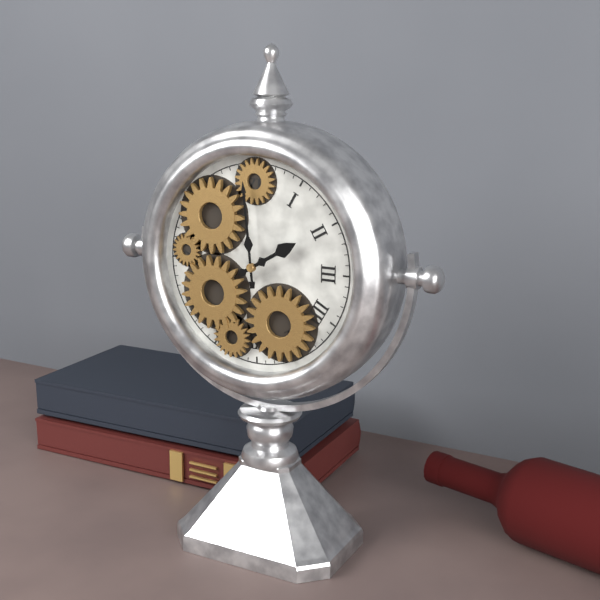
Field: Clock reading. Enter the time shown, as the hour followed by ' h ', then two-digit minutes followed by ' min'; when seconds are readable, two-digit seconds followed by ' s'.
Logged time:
1 h 59 min
